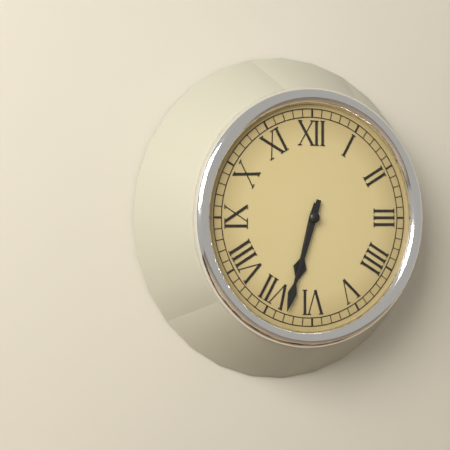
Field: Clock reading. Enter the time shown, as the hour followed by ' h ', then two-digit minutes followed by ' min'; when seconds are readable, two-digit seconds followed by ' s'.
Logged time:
6 h 33 min
